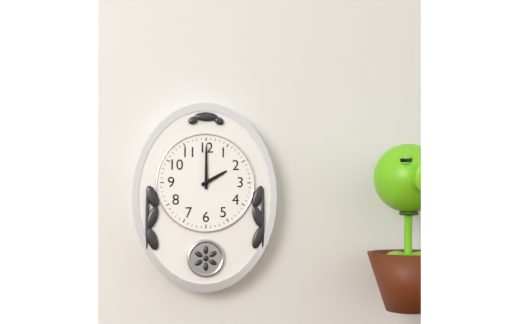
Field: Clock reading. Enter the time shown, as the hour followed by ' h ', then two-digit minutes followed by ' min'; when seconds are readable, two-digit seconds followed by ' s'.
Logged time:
2 h 00 min
